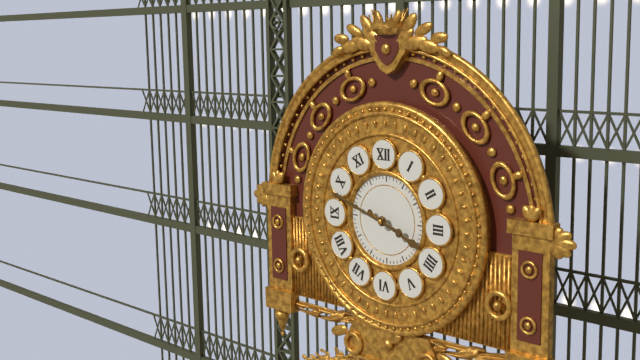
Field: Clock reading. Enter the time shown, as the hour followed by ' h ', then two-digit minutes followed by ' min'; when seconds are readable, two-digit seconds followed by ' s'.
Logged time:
3 h 48 min
